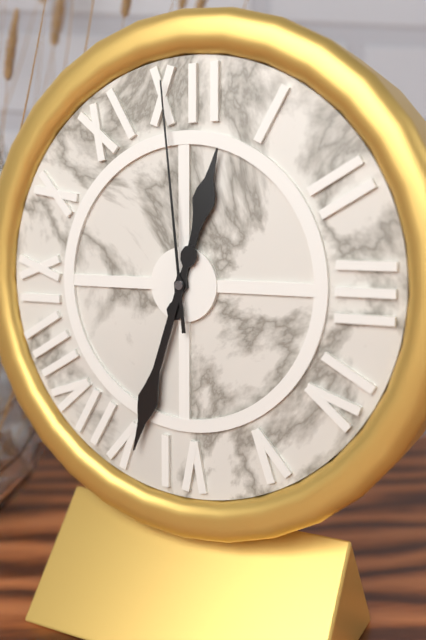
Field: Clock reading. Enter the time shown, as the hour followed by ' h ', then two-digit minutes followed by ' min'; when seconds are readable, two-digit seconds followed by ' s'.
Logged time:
12 h 33 min 59 s
